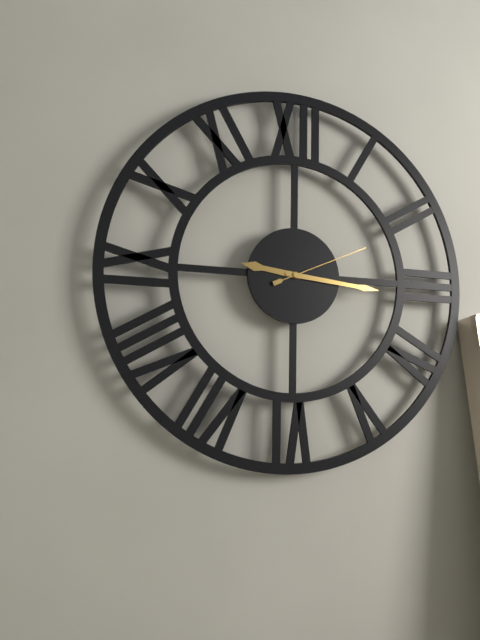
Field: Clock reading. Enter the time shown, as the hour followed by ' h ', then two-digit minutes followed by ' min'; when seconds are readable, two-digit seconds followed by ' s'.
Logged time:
9 h 16 min 11 s
